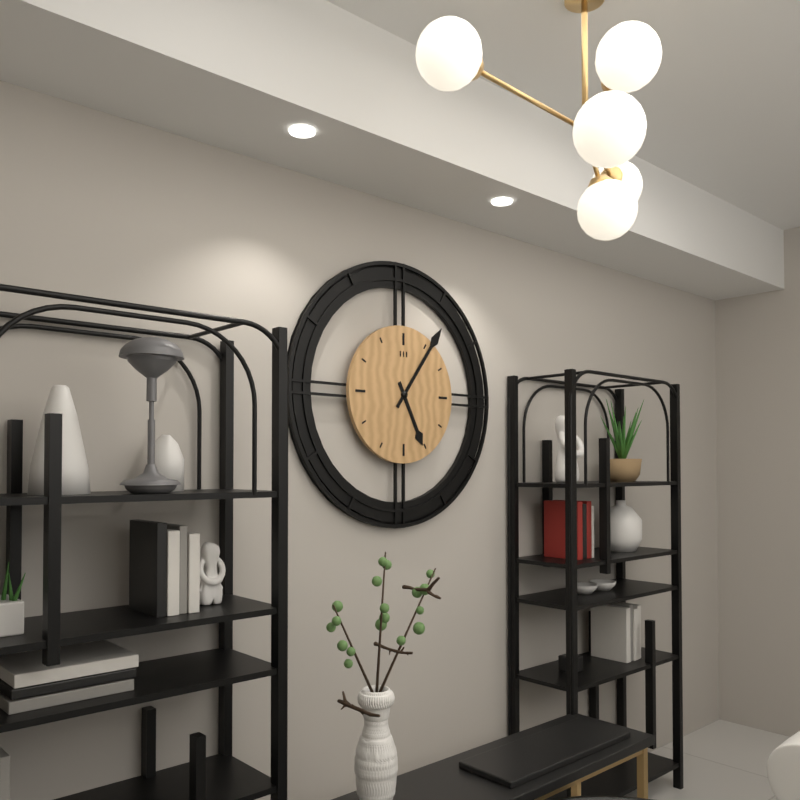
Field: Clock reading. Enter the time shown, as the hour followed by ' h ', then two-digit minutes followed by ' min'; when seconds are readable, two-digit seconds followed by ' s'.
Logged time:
5 h 06 min
